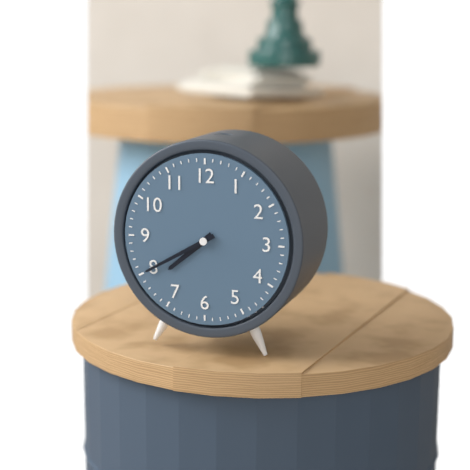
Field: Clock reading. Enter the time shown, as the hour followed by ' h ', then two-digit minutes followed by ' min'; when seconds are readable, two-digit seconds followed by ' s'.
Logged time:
7 h 40 min
